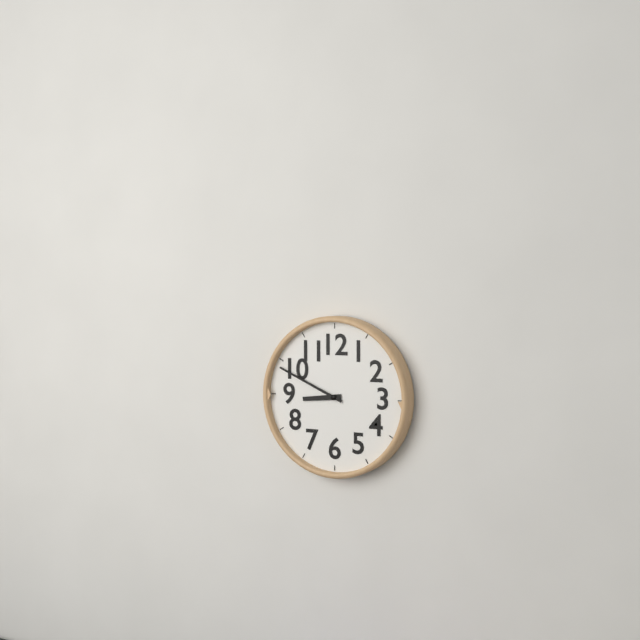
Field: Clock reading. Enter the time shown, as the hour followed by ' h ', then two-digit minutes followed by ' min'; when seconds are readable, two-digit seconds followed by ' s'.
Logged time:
8 h 49 min
